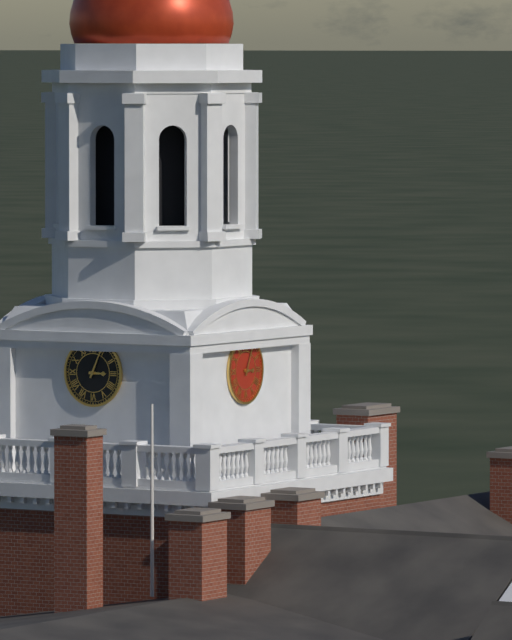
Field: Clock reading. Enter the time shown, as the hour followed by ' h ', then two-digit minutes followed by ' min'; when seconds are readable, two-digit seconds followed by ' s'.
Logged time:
3 h 04 min
